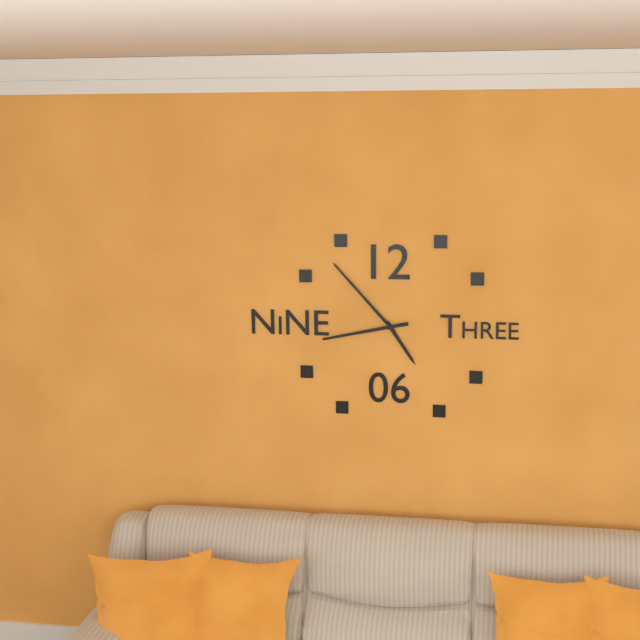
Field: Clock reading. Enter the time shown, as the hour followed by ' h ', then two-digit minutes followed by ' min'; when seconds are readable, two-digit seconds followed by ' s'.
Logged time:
4 h 53 min 43 s
